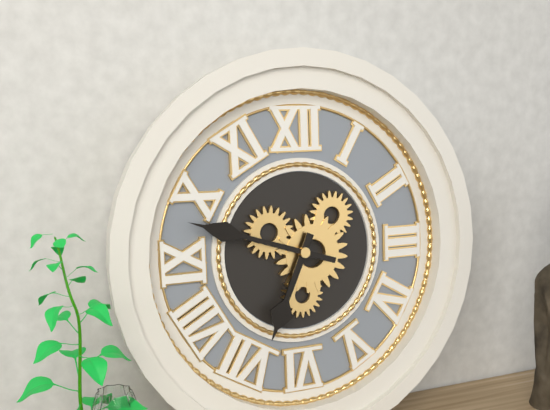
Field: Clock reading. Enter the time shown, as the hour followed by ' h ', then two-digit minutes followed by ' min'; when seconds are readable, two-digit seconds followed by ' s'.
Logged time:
6 h 48 min
